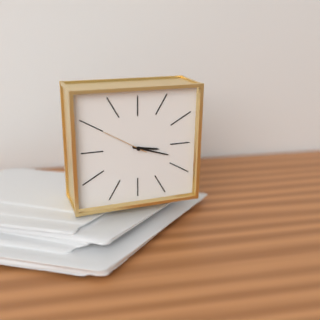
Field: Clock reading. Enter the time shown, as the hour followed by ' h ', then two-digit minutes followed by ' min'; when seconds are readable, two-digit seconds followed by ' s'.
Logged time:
3 h 18 min
